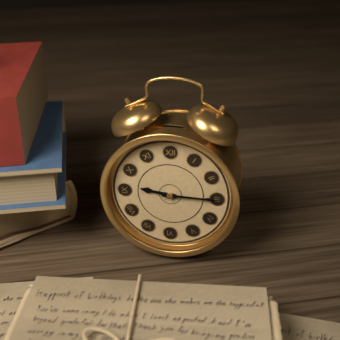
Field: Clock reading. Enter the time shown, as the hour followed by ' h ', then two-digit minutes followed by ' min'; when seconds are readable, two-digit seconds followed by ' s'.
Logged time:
9 h 15 min
